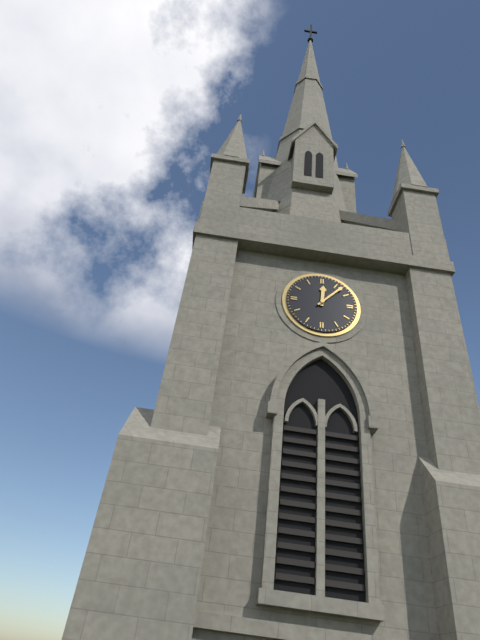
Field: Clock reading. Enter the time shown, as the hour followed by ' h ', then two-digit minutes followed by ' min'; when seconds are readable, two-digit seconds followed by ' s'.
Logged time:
12 h 07 min
